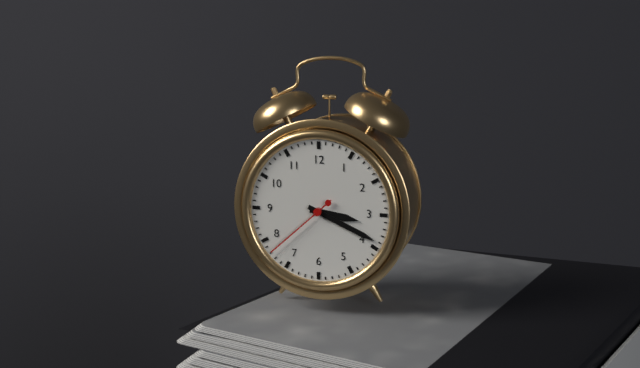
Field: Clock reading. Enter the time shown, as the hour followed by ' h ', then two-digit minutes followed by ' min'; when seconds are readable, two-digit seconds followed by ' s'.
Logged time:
3 h 19 min 38 s
